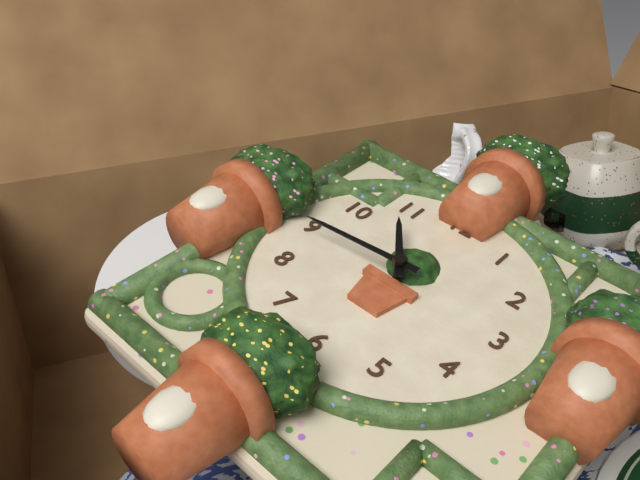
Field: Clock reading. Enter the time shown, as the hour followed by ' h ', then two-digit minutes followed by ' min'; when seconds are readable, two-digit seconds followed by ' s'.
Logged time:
10 h 44 min
